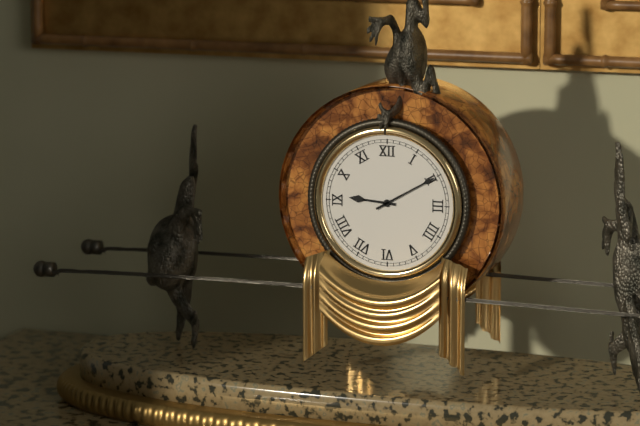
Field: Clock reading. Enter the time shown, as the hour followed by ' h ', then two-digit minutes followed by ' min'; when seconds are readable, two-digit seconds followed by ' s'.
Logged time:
9 h 10 min
